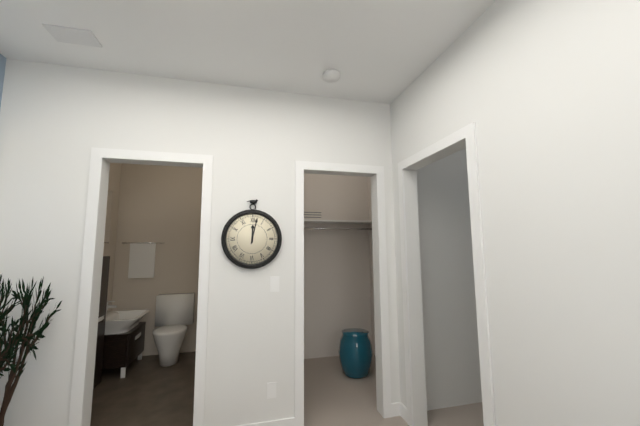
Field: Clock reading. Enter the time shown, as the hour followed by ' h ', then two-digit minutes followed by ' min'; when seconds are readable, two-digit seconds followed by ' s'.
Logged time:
12 h 02 min
